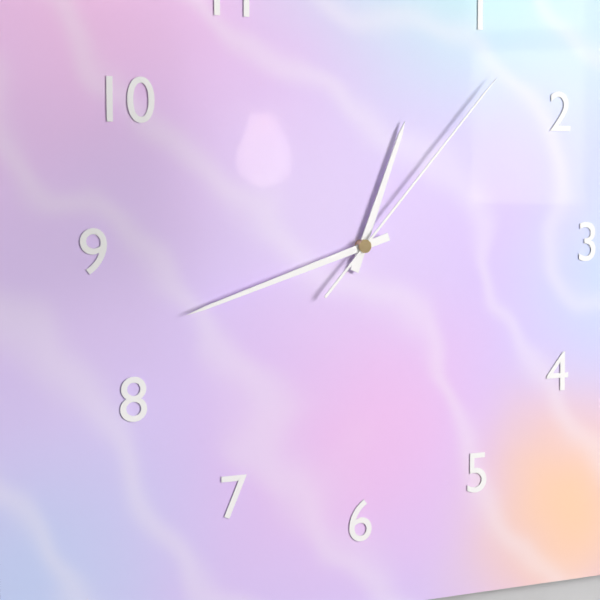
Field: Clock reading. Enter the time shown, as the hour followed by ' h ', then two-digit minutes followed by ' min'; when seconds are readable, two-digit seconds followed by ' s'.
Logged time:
12 h 42 min 07 s
